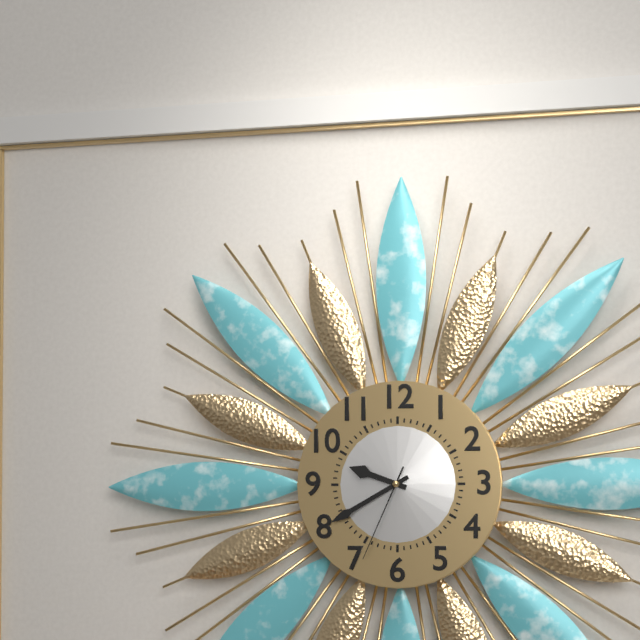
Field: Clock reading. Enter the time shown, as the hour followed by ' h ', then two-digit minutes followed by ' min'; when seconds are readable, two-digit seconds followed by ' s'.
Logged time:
9 h 40 min 34 s
